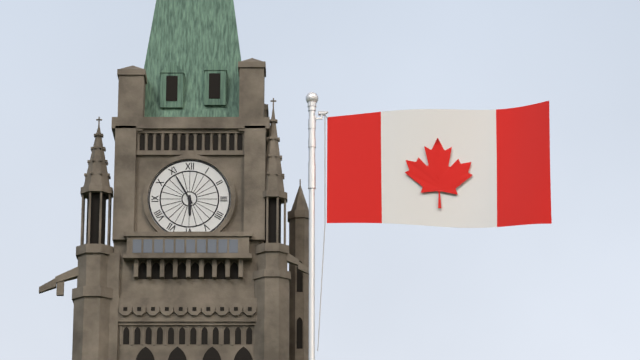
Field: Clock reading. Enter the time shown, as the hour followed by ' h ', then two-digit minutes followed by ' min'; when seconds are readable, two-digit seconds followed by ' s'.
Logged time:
5 h 55 min
